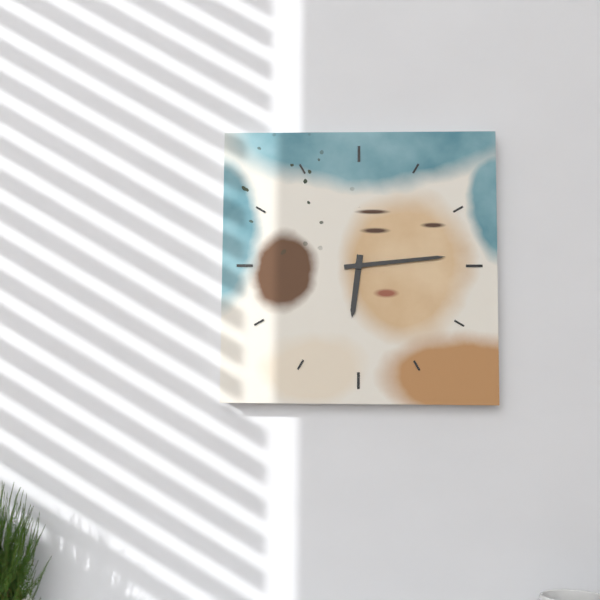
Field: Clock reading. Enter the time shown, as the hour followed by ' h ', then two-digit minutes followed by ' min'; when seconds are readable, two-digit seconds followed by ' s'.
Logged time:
6 h 14 min
